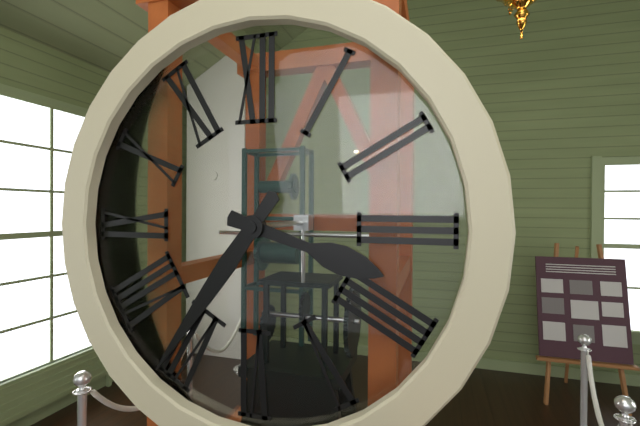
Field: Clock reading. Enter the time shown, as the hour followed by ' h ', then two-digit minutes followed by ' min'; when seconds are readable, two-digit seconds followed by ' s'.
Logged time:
3 h 36 min
